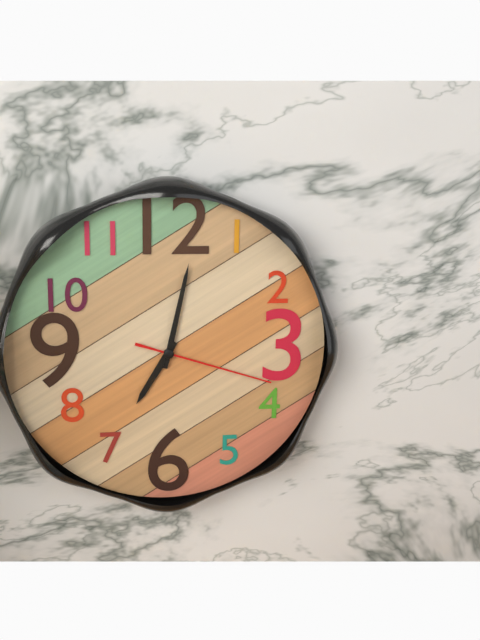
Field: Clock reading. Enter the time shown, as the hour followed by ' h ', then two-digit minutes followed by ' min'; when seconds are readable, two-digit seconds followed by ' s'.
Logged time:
7 h 02 min 18 s
